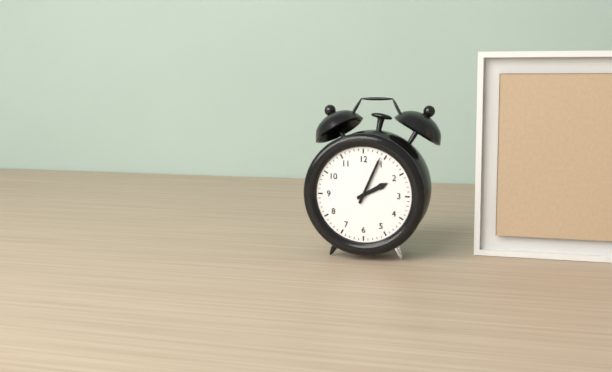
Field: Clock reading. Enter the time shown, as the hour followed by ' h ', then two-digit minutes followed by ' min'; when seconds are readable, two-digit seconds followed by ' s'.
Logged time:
2 h 04 min
